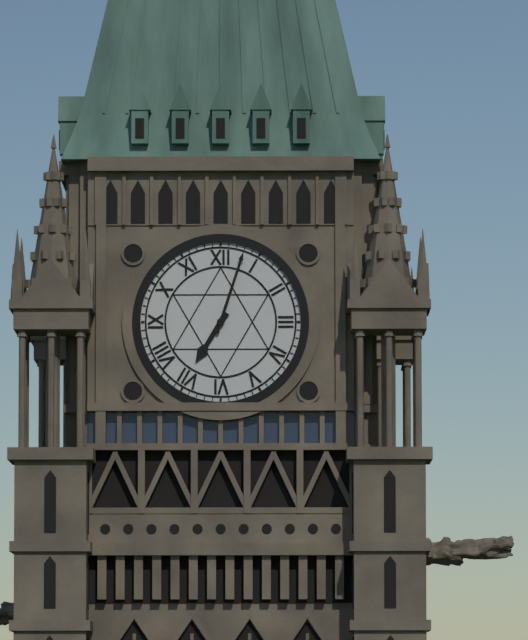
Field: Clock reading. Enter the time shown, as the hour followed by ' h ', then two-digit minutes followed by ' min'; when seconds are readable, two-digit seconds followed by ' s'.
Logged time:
7 h 03 min
